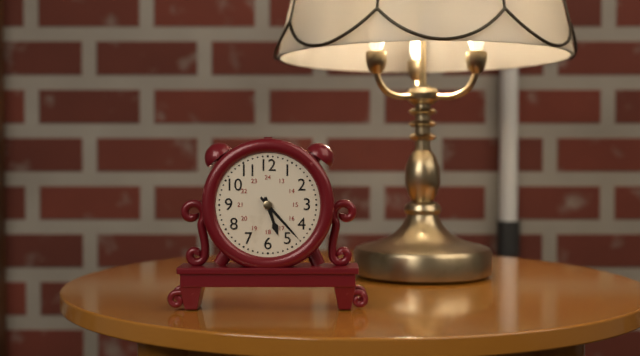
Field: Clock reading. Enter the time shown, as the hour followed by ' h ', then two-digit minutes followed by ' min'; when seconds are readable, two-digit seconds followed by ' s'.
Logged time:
5 h 23 min
